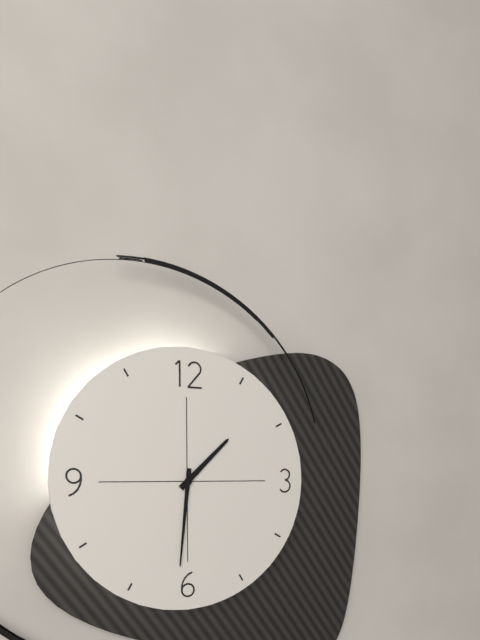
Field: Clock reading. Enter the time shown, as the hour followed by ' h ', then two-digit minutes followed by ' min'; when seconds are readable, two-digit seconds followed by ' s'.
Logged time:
1 h 31 min
